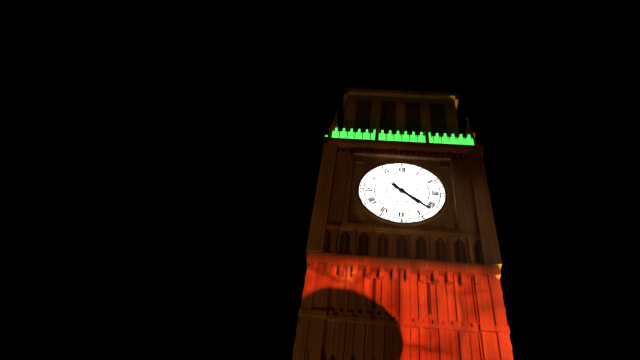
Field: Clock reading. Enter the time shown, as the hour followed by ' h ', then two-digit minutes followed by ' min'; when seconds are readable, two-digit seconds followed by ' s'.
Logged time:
4 h 22 min
